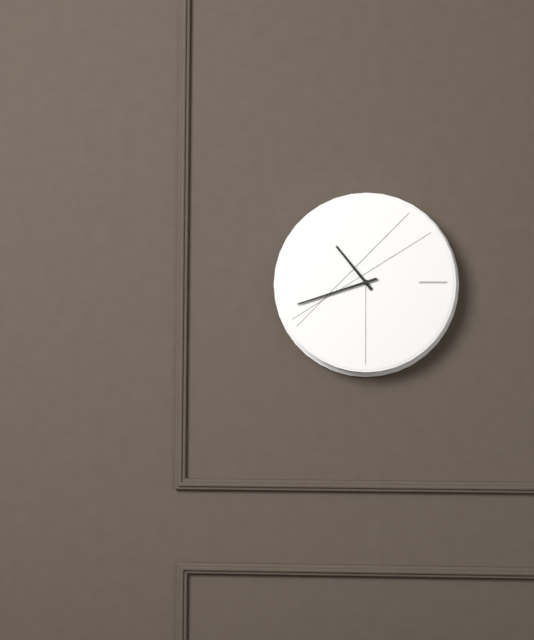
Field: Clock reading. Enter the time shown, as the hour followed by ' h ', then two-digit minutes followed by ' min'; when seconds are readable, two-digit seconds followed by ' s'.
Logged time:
10 h 42 min
